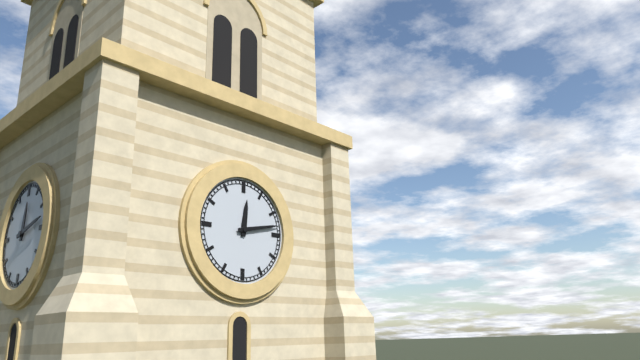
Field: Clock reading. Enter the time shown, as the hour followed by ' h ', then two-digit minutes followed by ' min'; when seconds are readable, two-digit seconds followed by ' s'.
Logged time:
12 h 13 min
